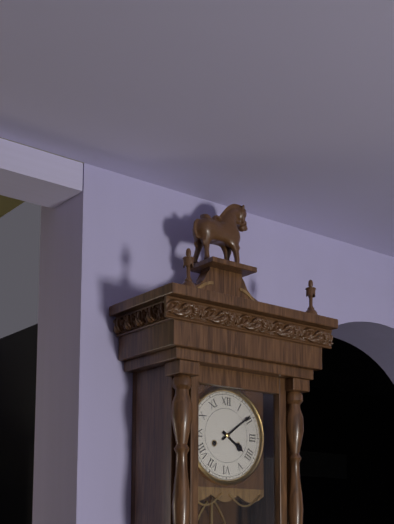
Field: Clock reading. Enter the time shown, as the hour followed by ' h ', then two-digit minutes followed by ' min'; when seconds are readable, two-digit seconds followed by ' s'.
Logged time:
4 h 09 min
